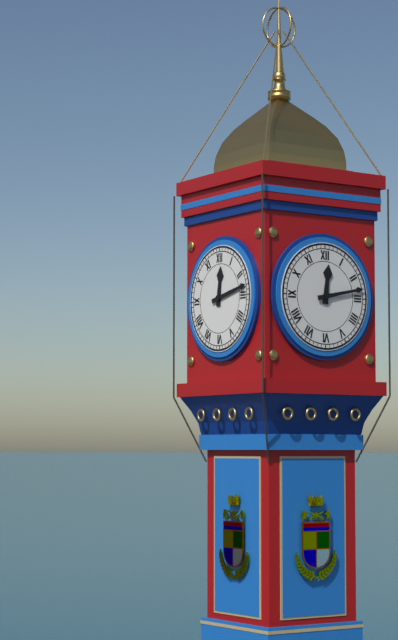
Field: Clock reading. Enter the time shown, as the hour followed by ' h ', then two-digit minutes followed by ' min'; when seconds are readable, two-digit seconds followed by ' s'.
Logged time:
12 h 13 min
